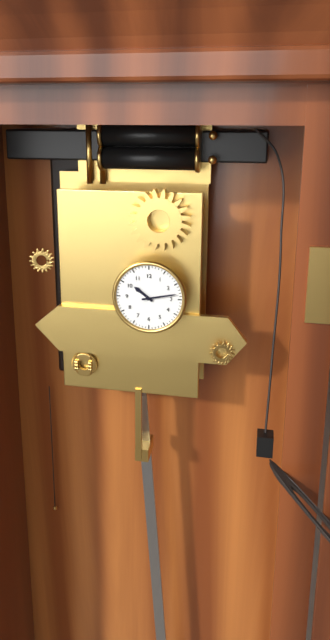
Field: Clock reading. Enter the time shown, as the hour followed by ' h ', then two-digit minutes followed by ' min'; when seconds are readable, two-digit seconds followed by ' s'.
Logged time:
10 h 13 min
